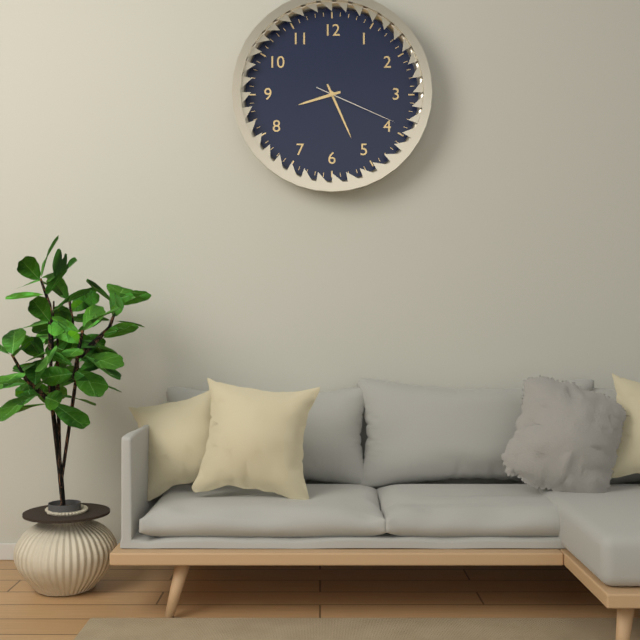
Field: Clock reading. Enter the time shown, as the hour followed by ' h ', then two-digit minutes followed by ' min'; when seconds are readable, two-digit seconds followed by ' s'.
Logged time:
8 h 26 min 19 s
